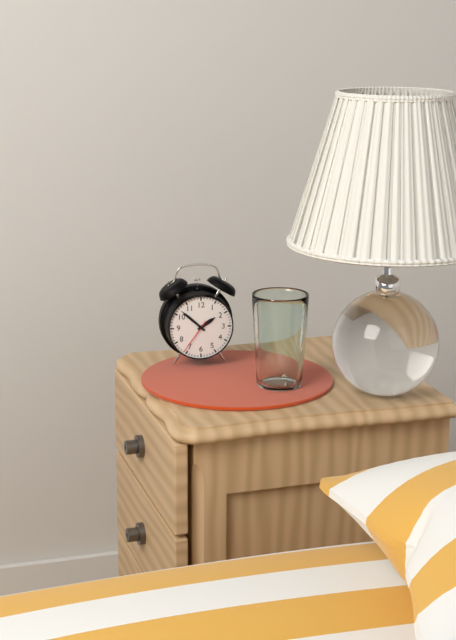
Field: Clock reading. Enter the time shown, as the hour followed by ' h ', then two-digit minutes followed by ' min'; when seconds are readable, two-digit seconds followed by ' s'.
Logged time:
1 h 52 min
